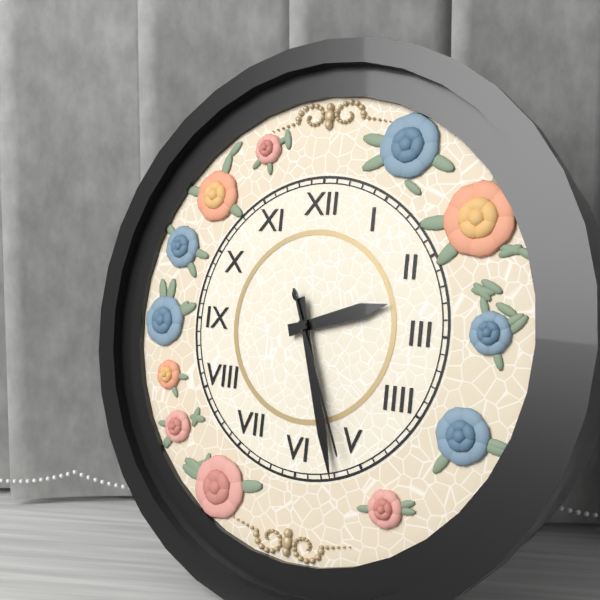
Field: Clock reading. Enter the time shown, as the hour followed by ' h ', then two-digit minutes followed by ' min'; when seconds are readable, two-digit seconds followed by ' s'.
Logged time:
2 h 27 min 26 s
